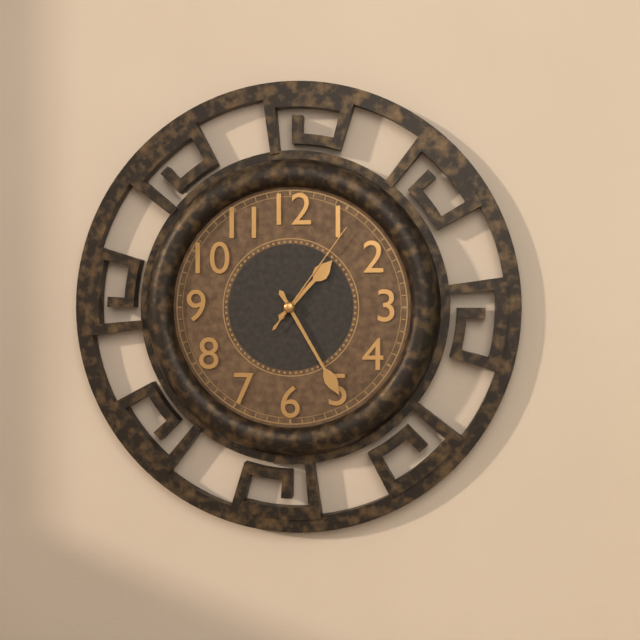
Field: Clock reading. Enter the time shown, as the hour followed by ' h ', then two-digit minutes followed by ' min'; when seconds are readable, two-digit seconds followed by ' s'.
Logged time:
1 h 25 min 06 s
